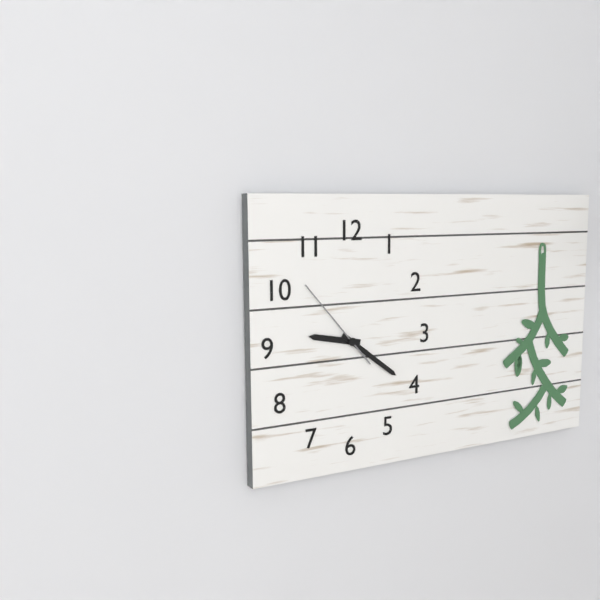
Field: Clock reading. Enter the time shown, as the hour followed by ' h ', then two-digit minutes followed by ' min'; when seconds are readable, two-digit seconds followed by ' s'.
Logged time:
9 h 21 min 53 s
